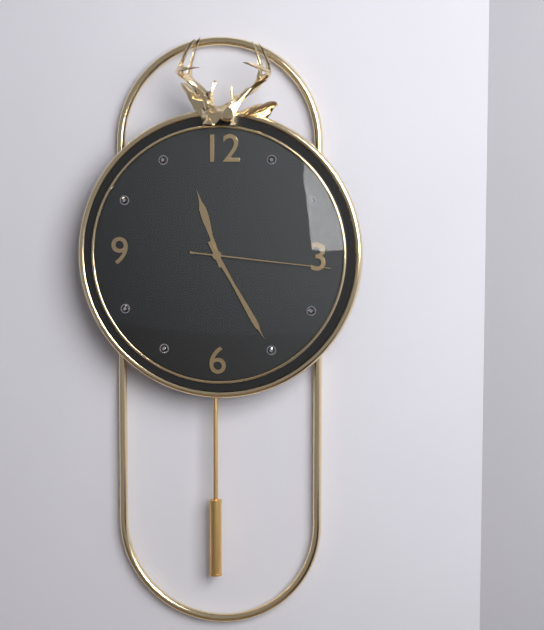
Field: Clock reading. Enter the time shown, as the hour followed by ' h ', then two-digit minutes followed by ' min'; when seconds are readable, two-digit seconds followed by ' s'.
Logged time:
11 h 25 min 16 s
